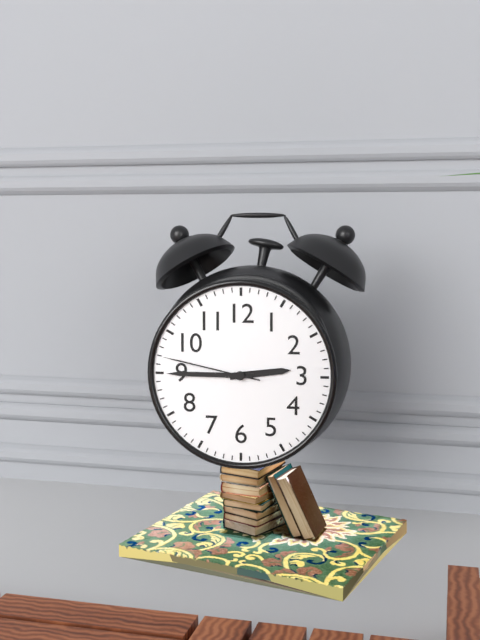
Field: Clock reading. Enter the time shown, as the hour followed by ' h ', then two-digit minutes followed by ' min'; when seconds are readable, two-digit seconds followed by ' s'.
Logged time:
2 h 45 min 47 s
